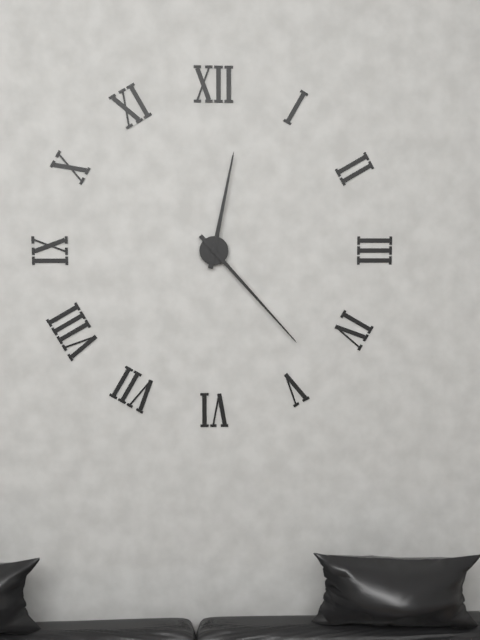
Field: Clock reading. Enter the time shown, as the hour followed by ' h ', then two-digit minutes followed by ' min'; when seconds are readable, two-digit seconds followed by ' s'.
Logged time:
12 h 23 min
